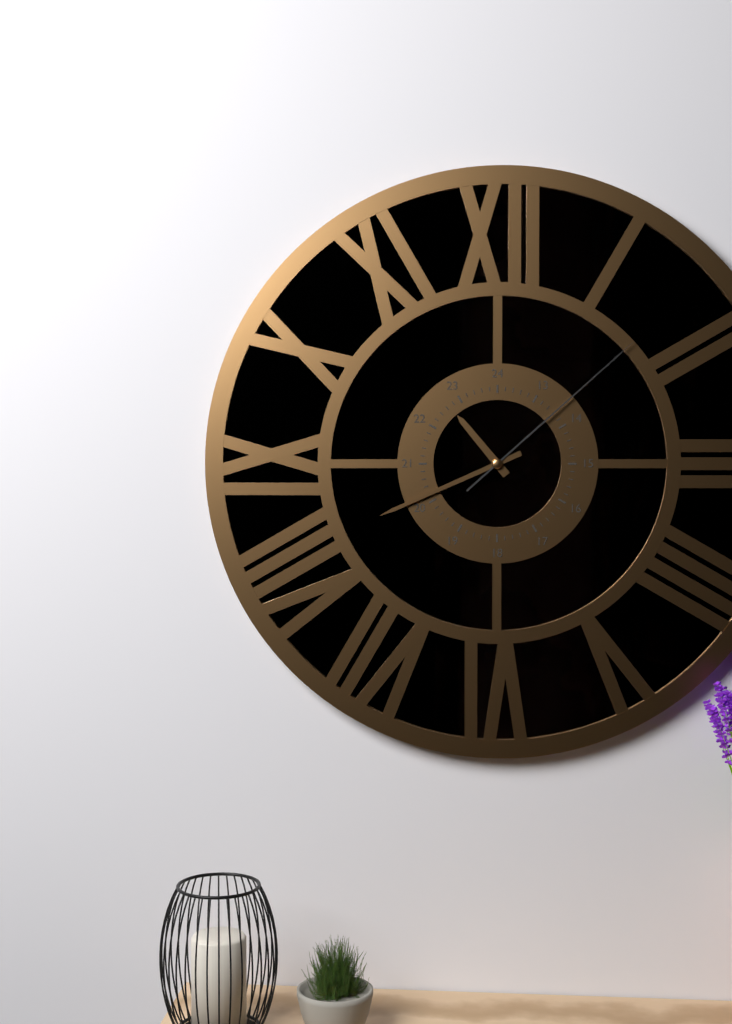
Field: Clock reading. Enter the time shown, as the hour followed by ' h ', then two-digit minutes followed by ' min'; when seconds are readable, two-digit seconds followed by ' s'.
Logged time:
10 h 41 min 08 s
